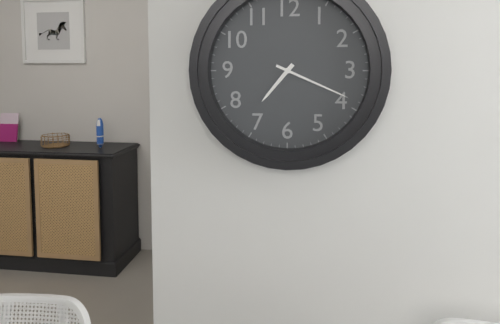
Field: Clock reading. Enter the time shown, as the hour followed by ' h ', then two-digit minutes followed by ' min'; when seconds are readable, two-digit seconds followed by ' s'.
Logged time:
7 h 19 min
